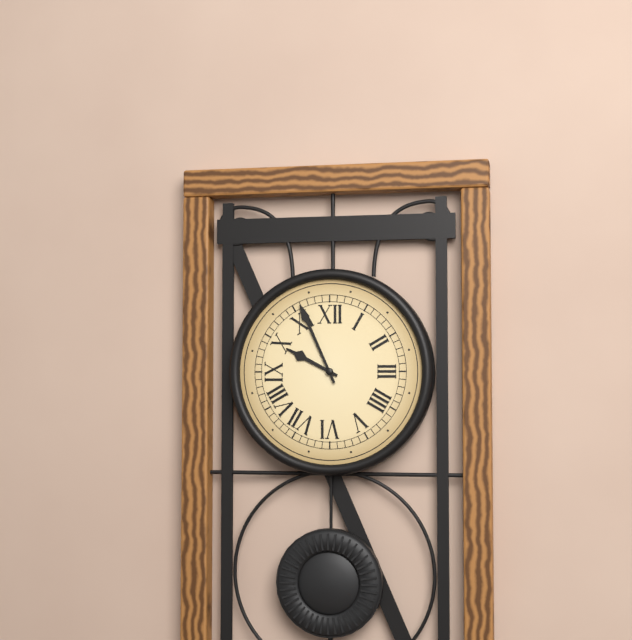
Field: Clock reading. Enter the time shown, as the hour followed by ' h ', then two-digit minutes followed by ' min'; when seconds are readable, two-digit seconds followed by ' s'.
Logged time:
9 h 56 min
